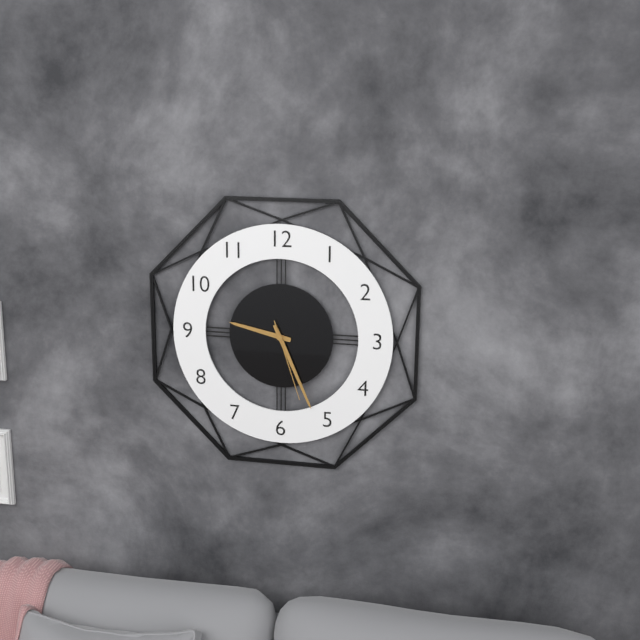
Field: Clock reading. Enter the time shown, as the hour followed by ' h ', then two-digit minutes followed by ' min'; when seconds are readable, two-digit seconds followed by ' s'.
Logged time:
9 h 26 min 27 s
